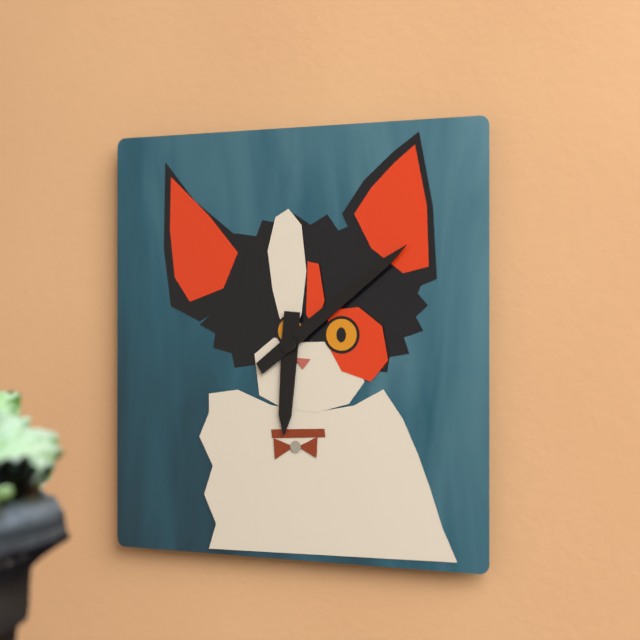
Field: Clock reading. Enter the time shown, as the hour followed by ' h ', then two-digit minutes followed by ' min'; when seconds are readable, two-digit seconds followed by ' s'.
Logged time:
6 h 09 min
